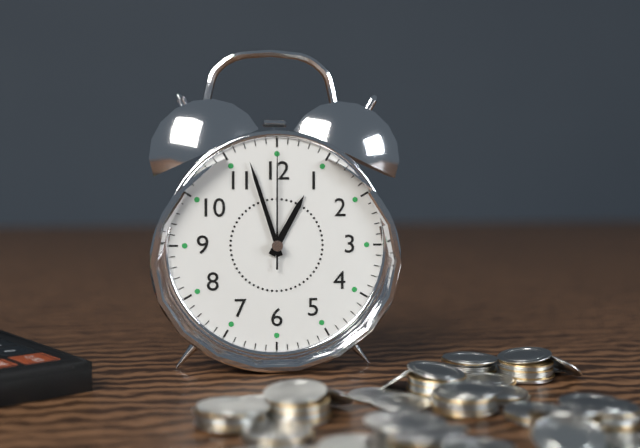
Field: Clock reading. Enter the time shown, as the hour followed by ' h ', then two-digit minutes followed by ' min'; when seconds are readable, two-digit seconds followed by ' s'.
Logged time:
12 h 57 min 00 s
